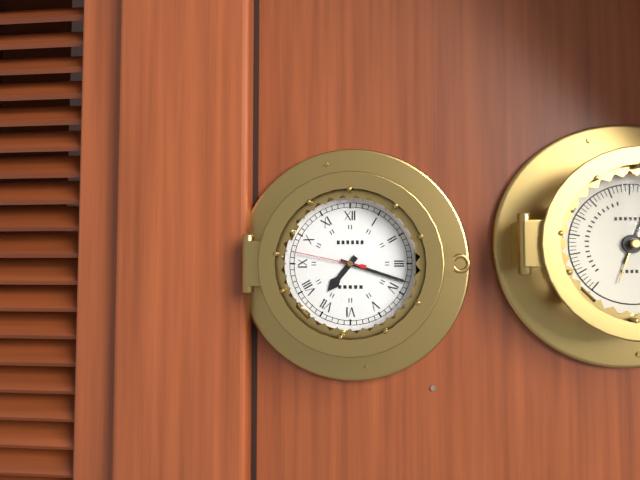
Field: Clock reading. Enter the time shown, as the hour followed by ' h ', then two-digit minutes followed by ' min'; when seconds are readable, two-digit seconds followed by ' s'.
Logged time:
7 h 18 min 47 s
